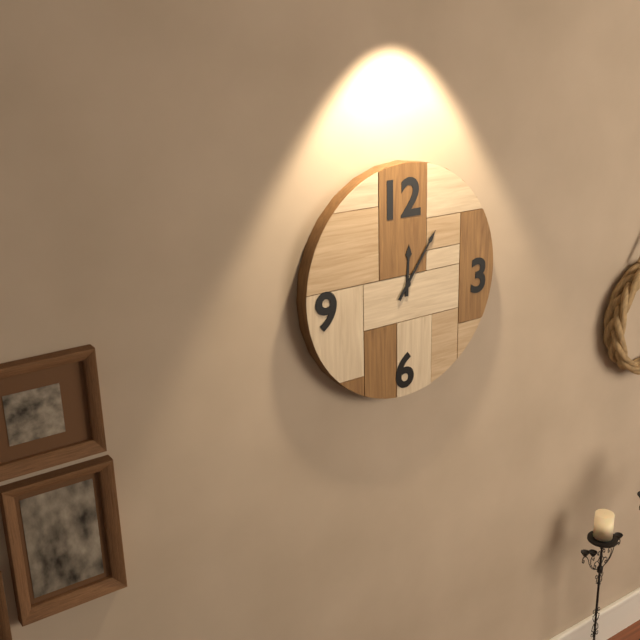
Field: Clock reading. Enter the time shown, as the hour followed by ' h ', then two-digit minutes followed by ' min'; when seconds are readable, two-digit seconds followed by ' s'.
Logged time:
12 h 06 min
